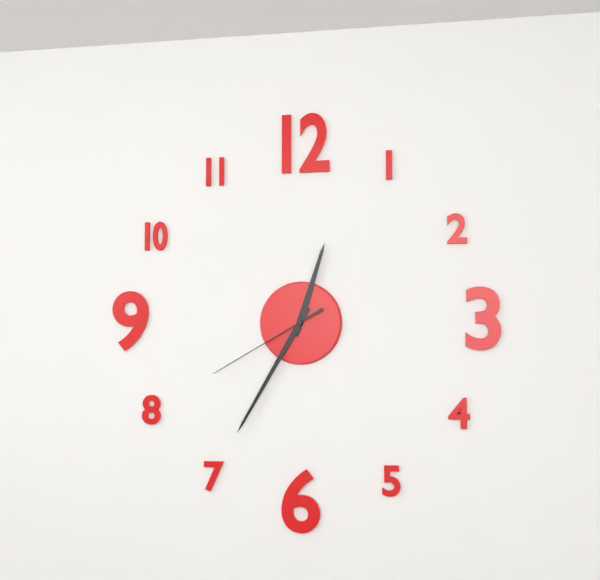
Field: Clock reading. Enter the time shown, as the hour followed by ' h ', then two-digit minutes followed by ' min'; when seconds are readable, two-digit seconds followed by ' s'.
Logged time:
12 h 35 min 40 s
